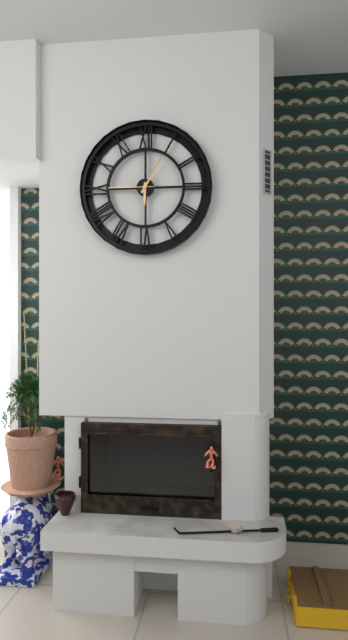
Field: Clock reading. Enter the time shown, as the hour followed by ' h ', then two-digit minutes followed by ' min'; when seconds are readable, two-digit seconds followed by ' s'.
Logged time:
6 h 05 min
